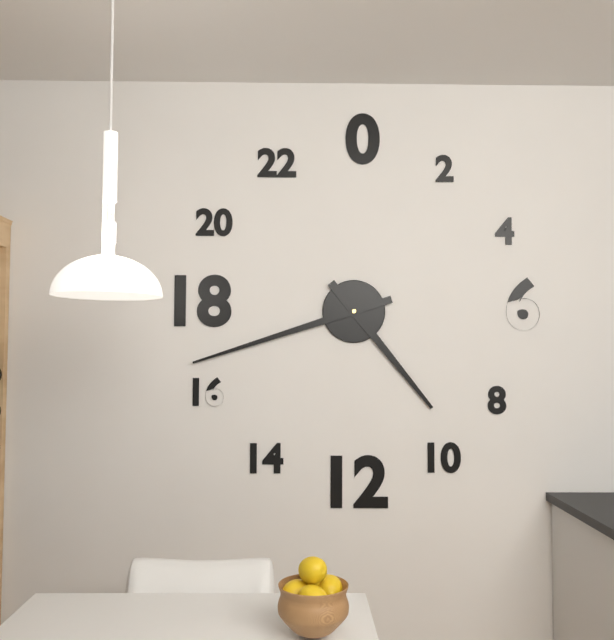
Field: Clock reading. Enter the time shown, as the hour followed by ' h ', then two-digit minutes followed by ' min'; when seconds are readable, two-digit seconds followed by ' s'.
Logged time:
4 h 42 min
